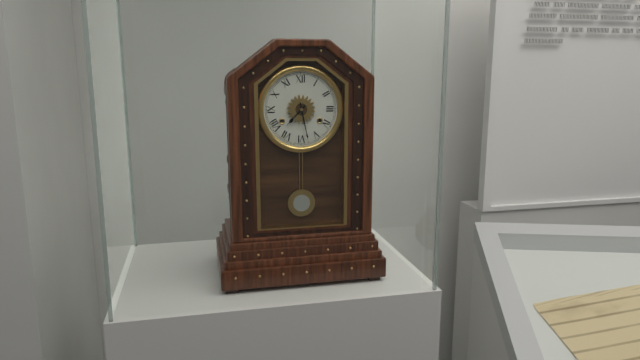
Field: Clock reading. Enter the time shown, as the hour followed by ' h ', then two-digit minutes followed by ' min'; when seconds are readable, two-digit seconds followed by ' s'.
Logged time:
7 h 28 min
